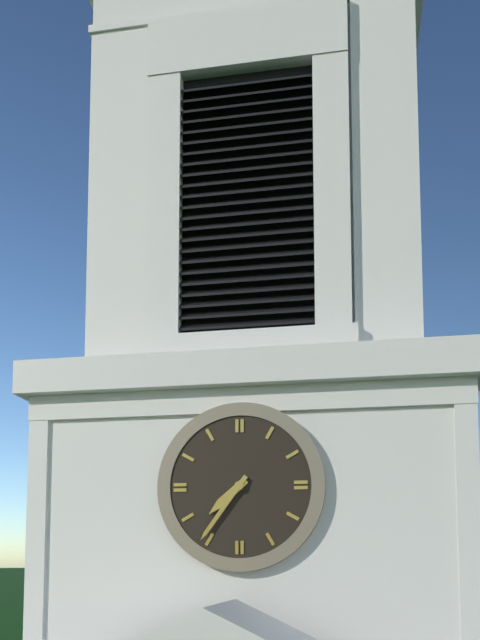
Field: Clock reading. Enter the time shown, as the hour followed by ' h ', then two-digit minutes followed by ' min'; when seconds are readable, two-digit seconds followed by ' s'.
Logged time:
7 h 36 min
